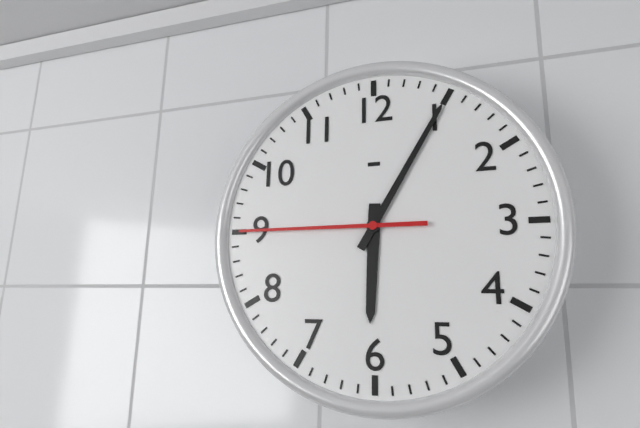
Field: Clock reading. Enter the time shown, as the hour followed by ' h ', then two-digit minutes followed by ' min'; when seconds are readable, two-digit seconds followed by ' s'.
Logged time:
6 h 05 min 45 s
